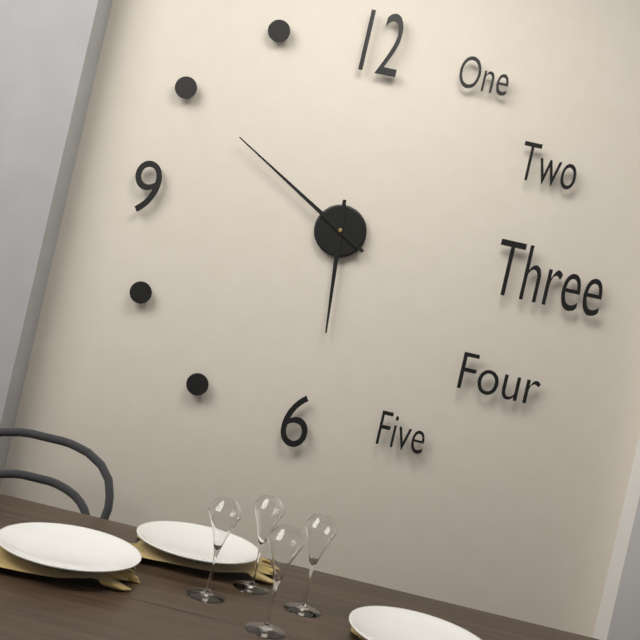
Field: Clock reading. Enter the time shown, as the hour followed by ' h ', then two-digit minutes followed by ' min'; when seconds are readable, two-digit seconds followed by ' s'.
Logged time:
5 h 50 min
